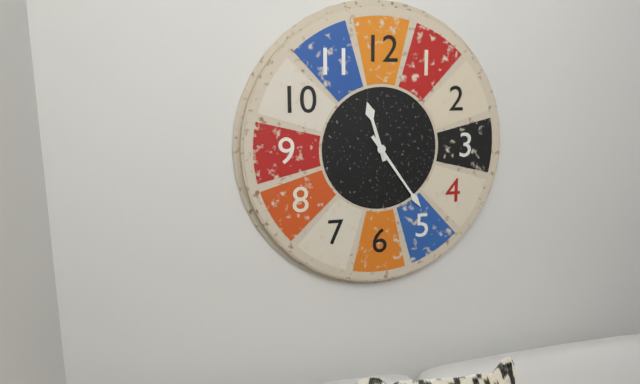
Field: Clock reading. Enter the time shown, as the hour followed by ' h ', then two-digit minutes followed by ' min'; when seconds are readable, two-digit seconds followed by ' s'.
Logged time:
11 h 24 min
